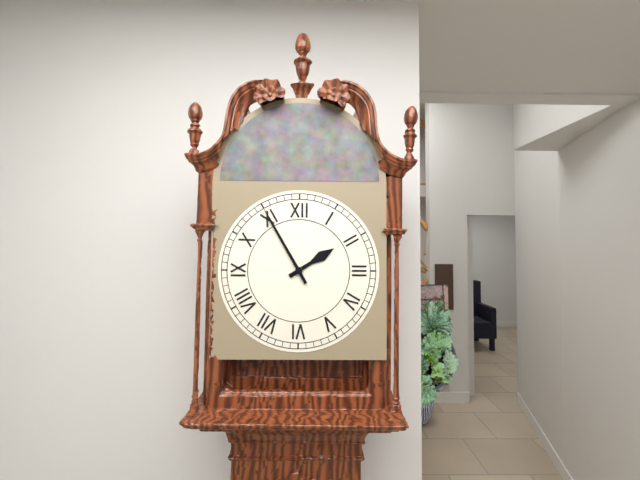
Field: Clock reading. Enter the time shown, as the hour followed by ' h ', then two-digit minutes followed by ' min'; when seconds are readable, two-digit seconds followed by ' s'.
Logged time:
1 h 55 min
